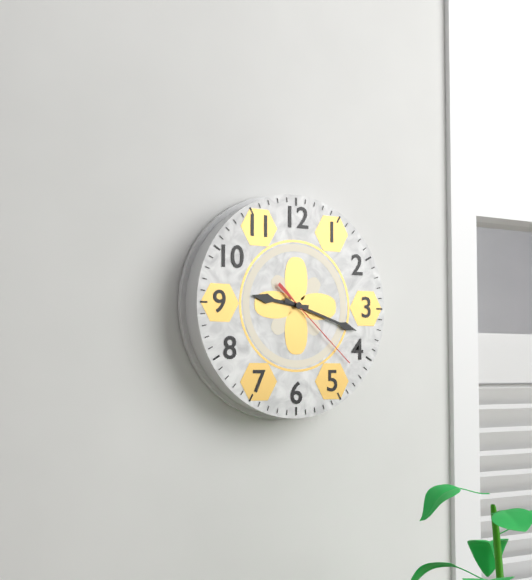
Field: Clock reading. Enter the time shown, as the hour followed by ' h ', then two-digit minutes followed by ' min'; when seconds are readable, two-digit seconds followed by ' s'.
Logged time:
9 h 18 min 22 s
